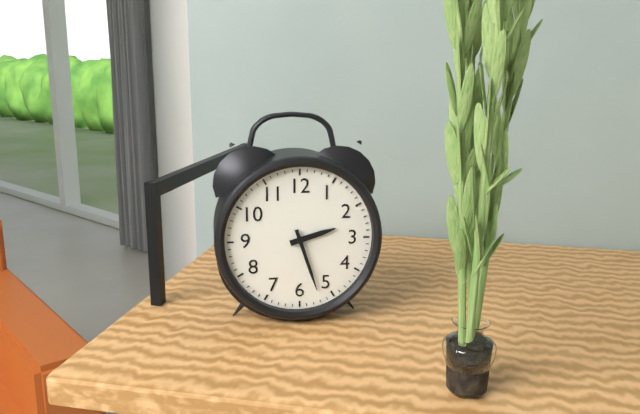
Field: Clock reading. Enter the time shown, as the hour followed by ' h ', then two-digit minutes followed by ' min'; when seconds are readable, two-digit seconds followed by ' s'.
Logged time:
2 h 27 min
